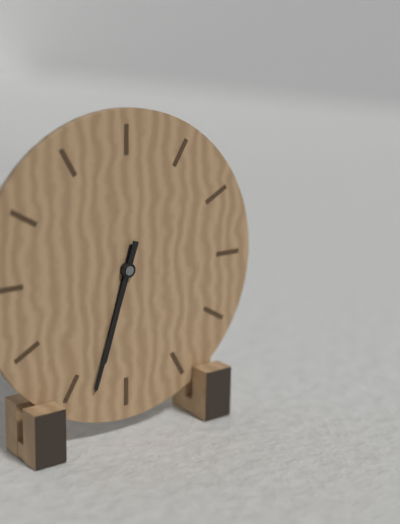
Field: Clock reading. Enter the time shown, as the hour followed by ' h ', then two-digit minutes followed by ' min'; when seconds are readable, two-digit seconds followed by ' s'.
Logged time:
6 h 33 min
